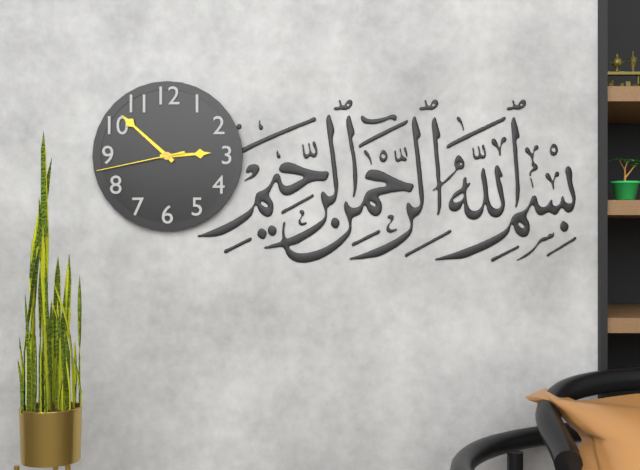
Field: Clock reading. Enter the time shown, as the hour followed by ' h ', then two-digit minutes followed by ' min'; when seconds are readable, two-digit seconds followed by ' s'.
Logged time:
2 h 52 min 43 s
